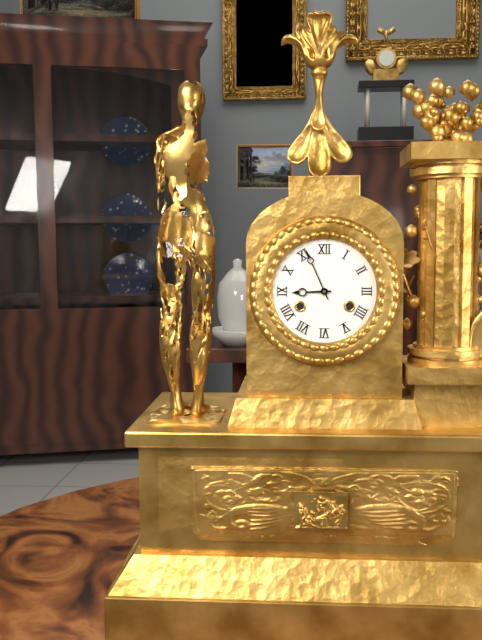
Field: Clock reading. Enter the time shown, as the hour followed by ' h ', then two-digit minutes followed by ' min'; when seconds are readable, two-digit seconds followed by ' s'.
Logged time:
8 h 56 min
